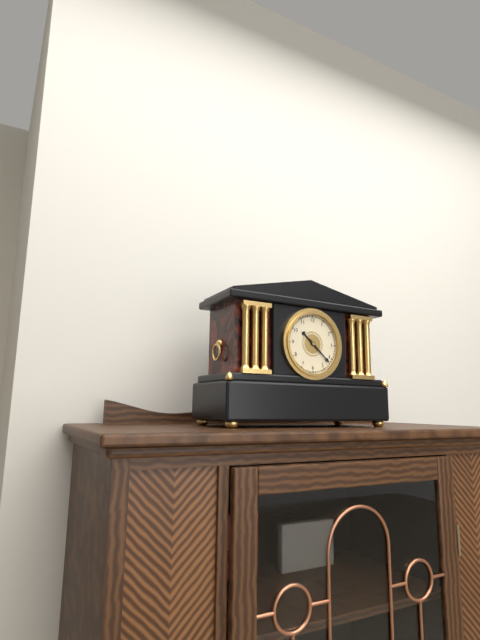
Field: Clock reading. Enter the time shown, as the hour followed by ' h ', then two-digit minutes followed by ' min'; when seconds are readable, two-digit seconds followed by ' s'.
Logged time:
10 h 22 min
